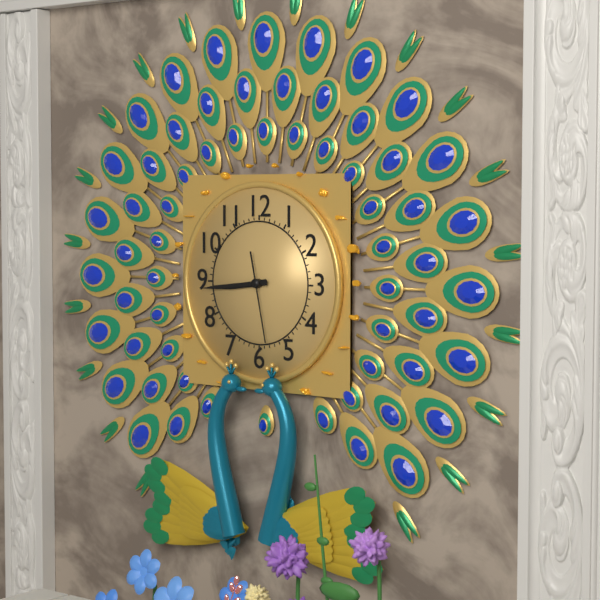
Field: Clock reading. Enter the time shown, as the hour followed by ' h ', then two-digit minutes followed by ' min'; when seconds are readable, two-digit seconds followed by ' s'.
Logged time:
8 h 44 min 28 s
